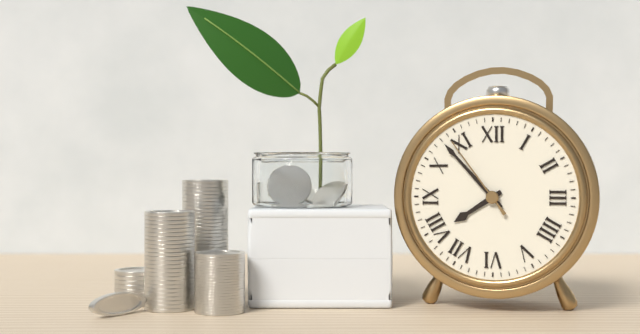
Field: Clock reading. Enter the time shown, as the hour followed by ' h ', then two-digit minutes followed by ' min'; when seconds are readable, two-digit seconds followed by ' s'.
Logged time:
7 h 53 min 54 s
